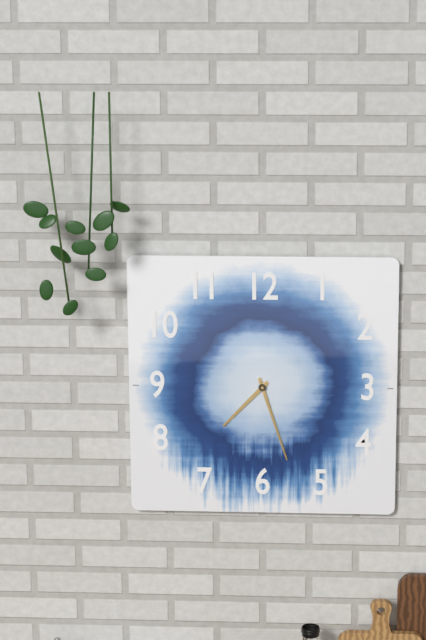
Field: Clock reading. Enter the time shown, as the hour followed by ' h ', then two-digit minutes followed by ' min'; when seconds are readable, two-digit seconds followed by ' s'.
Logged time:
7 h 27 min
